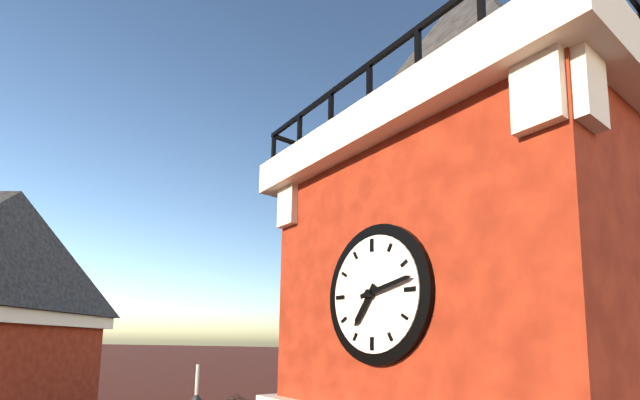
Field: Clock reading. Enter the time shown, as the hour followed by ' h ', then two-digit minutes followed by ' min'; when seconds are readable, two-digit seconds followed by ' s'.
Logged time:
7 h 13 min
